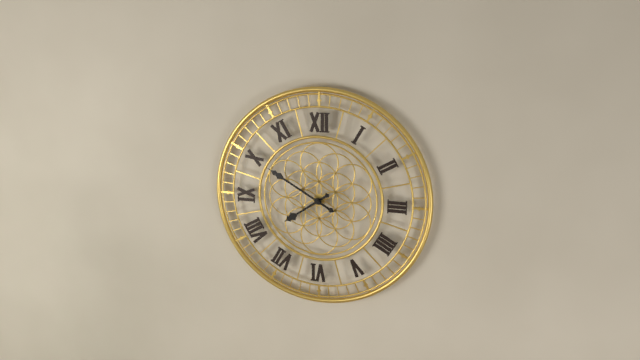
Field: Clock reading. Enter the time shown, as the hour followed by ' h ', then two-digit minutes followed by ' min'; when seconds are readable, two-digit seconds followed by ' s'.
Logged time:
7 h 50 min
